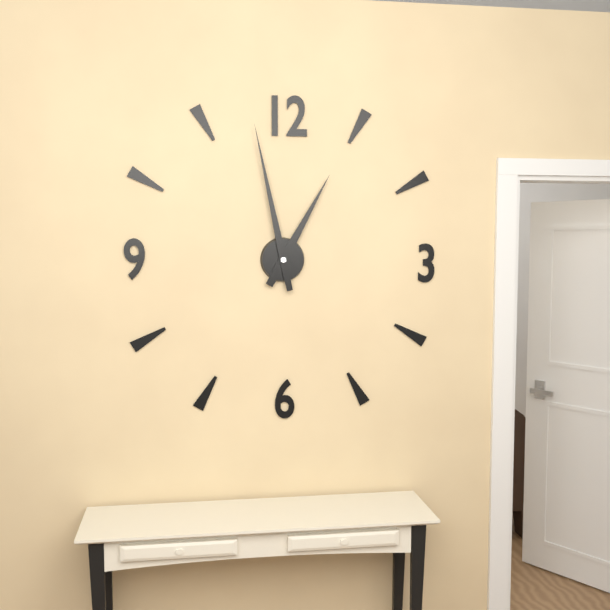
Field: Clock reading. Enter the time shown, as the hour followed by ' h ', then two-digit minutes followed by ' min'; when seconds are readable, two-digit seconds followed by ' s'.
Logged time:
12 h 58 min
